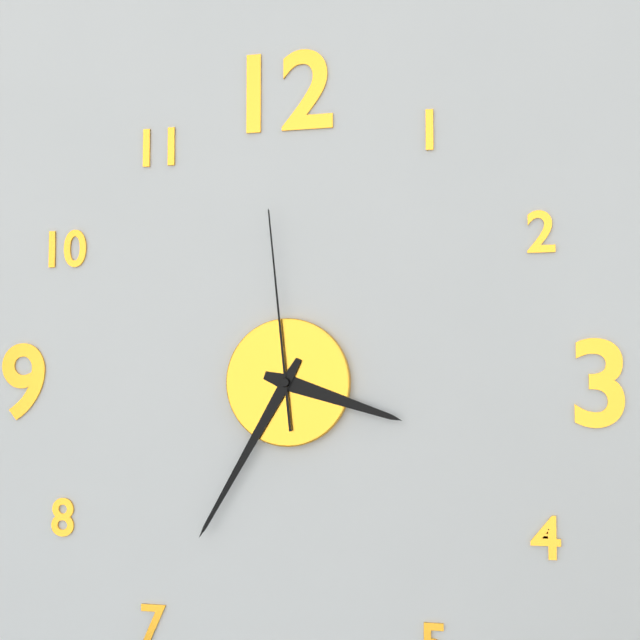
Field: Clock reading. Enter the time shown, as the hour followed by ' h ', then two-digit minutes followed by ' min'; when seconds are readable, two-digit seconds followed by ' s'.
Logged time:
3 h 35 min 59 s
